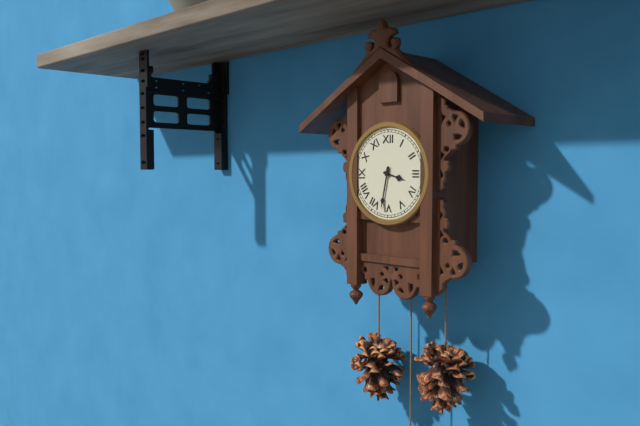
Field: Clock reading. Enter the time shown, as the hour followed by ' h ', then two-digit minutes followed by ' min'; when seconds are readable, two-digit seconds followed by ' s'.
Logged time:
3 h 32 min
